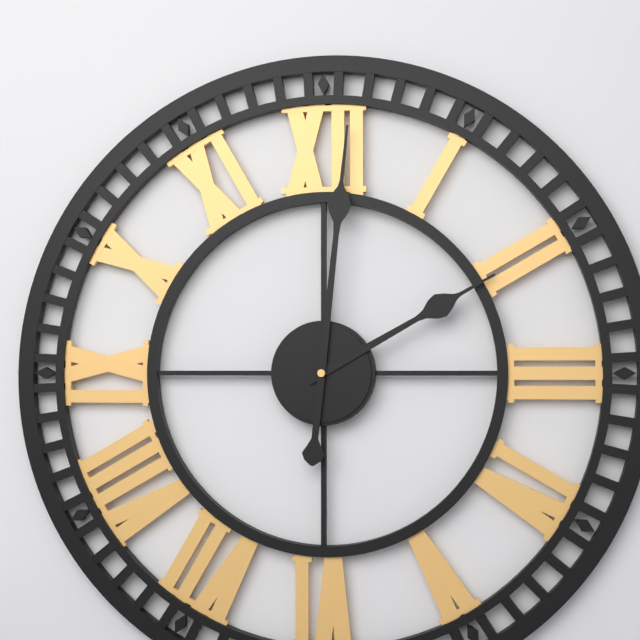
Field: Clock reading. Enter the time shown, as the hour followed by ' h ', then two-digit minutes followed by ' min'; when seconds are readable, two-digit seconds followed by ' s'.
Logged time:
2 h 01 min
